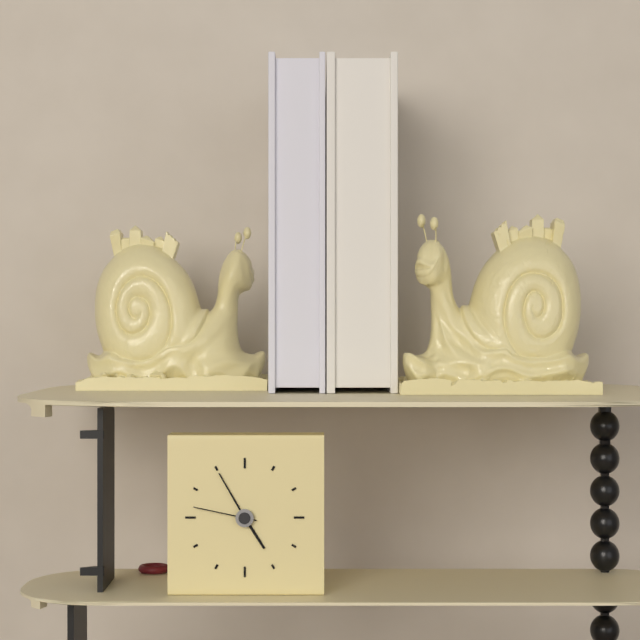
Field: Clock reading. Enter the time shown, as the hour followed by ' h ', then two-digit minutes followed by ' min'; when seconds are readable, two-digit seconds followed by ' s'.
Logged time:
4 h 55 min 47 s
